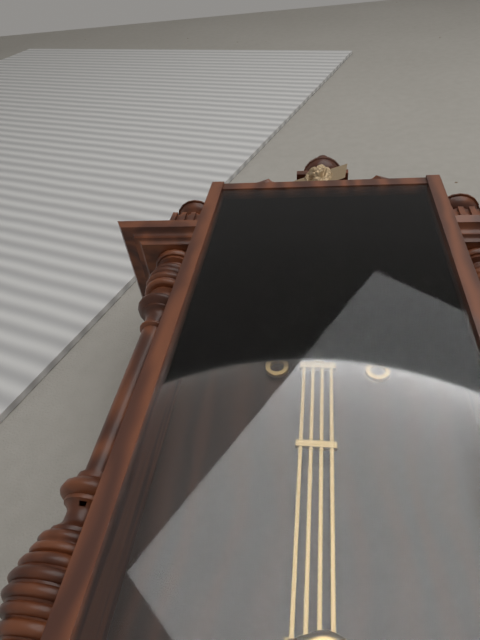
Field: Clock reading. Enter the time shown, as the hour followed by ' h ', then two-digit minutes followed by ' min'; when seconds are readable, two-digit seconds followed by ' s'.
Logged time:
7 h 36 min
